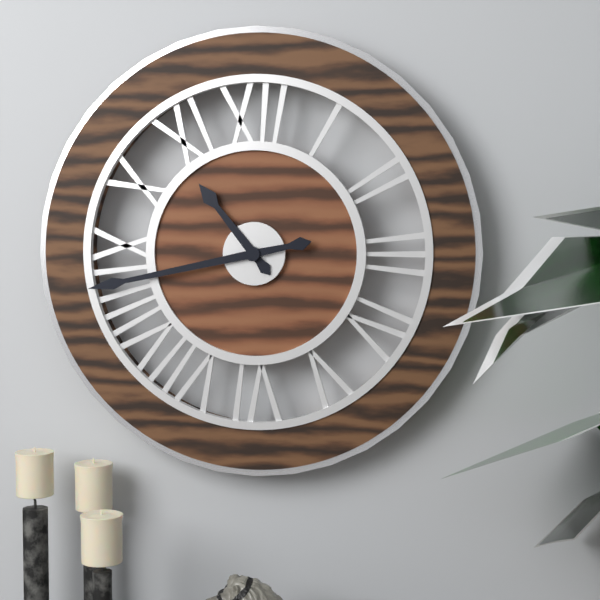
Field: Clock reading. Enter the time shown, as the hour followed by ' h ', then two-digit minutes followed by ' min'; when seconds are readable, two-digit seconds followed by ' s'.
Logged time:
10 h 43 min
